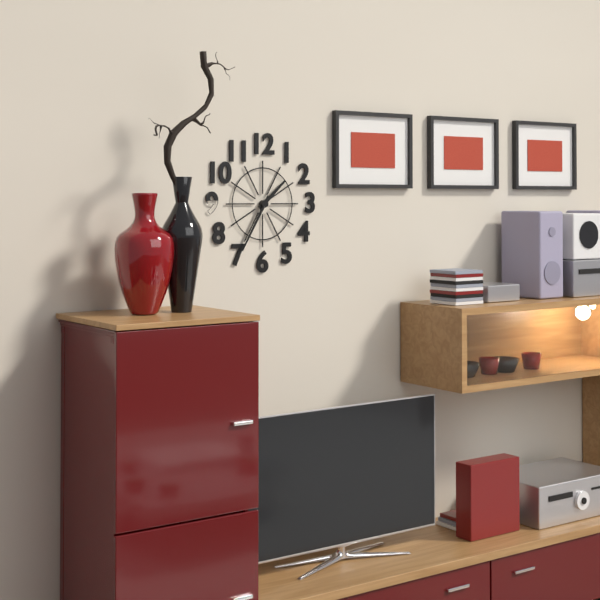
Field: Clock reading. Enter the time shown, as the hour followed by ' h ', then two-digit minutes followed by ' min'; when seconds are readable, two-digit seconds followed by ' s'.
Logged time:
1 h 35 min
